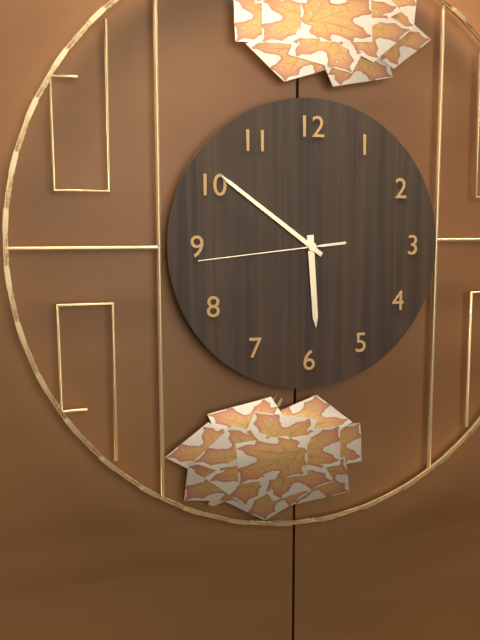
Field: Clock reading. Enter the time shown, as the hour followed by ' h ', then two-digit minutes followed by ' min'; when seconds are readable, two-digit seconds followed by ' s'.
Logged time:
5 h 51 min 44 s
